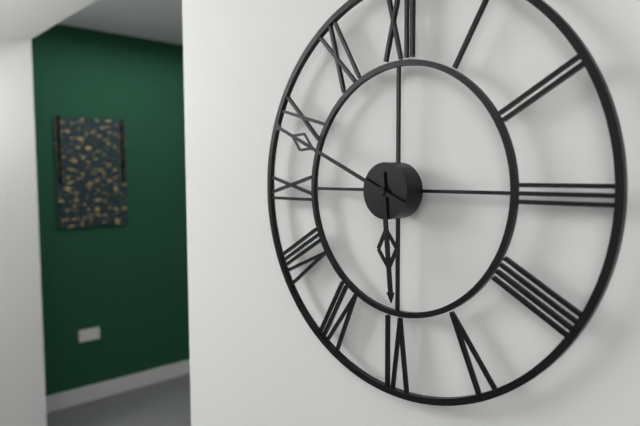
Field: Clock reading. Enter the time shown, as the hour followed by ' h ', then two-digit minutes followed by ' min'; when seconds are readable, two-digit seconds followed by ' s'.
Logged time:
5 h 49 min
